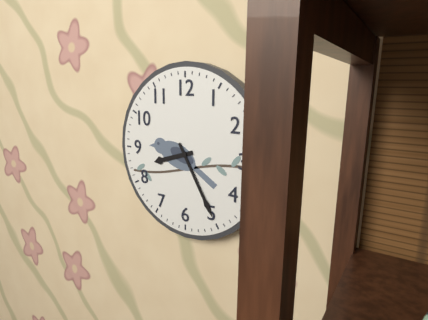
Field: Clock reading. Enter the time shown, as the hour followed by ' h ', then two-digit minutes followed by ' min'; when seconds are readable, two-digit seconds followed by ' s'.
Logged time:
8 h 25 min
